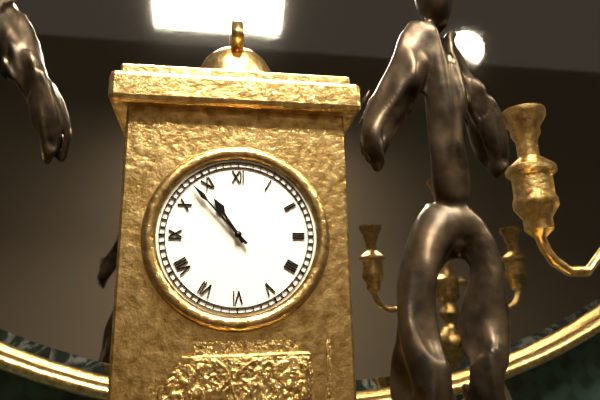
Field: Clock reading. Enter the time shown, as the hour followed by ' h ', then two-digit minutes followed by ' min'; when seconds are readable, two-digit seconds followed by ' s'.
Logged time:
10 h 53 min
